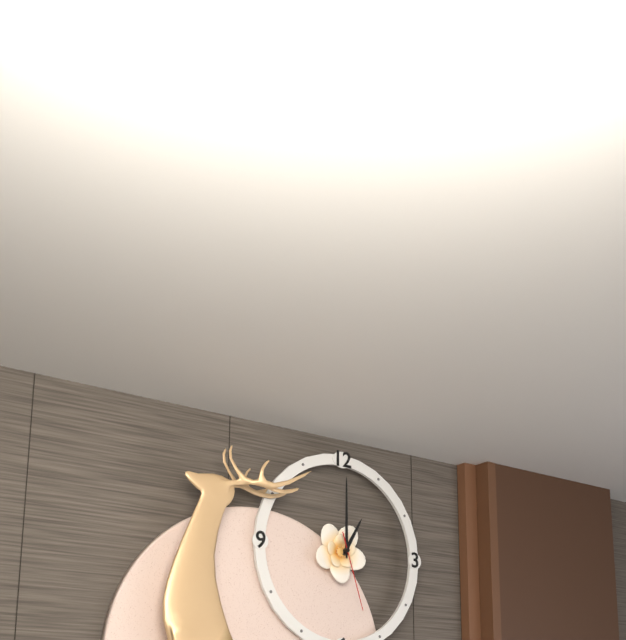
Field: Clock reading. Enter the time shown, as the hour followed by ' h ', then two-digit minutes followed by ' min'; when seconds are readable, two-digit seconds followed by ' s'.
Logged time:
1 h 00 min 27 s
